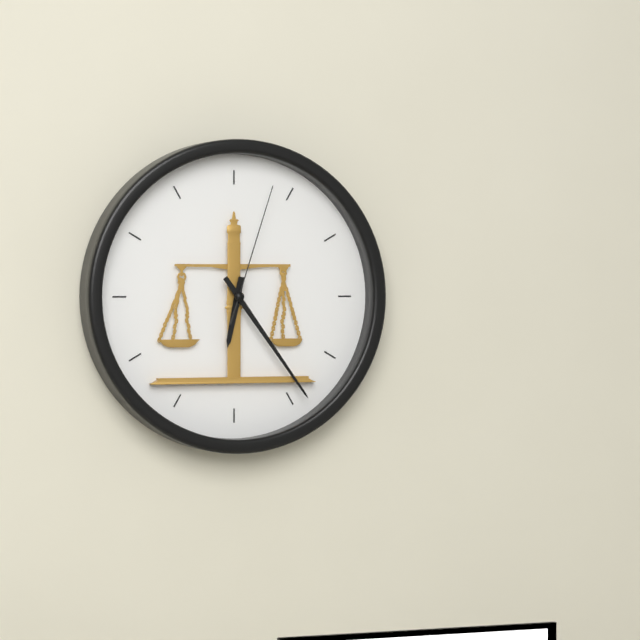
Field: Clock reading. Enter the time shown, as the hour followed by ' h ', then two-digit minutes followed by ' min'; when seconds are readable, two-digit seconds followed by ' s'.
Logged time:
6 h 24 min 03 s
